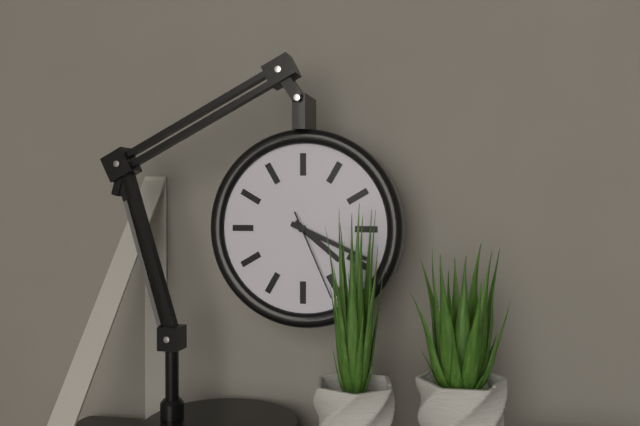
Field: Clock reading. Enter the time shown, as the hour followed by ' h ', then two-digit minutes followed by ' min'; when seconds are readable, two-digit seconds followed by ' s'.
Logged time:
4 h 19 min 26 s
